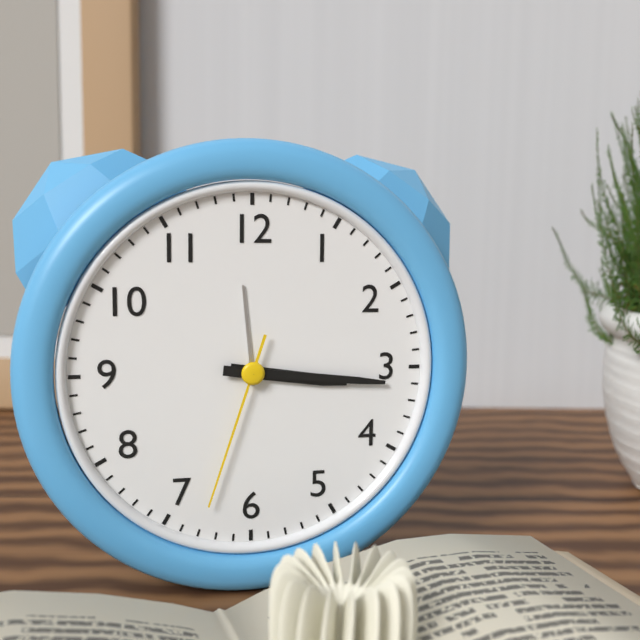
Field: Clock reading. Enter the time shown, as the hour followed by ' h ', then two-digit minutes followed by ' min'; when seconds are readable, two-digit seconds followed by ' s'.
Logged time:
3 h 16 min 33 s
